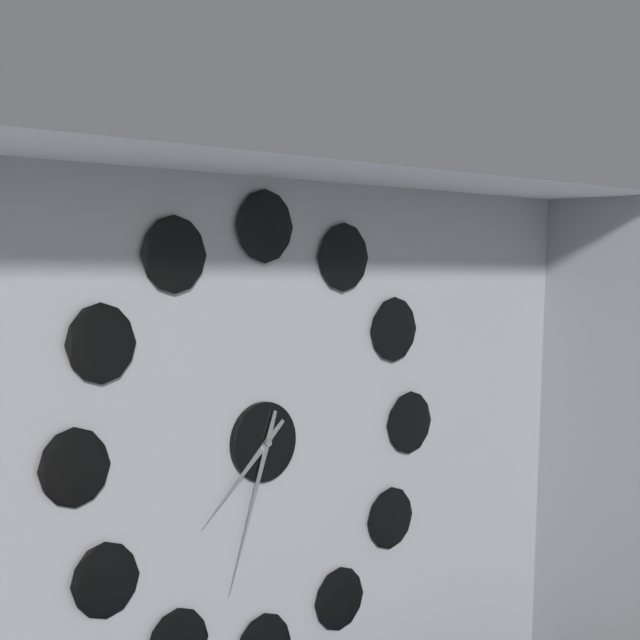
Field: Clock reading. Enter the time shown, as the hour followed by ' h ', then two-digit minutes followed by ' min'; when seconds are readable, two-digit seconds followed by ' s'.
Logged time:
7 h 33 min
